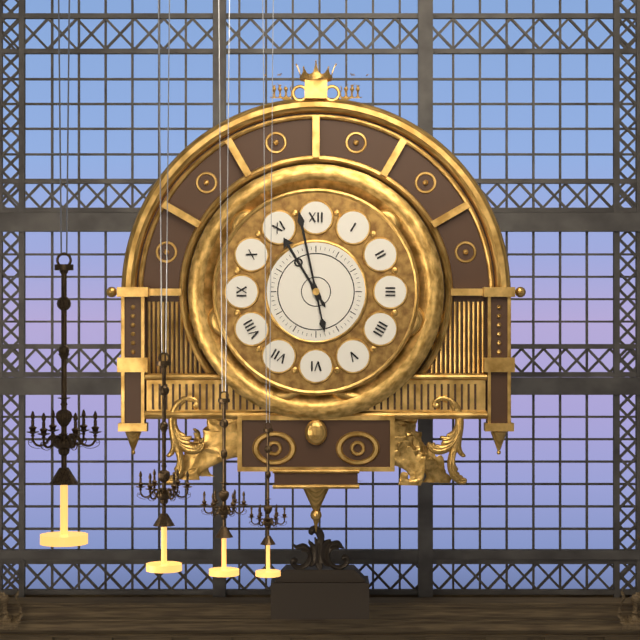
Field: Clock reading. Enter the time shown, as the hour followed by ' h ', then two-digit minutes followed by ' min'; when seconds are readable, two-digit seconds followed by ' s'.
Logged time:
10 h 58 min
